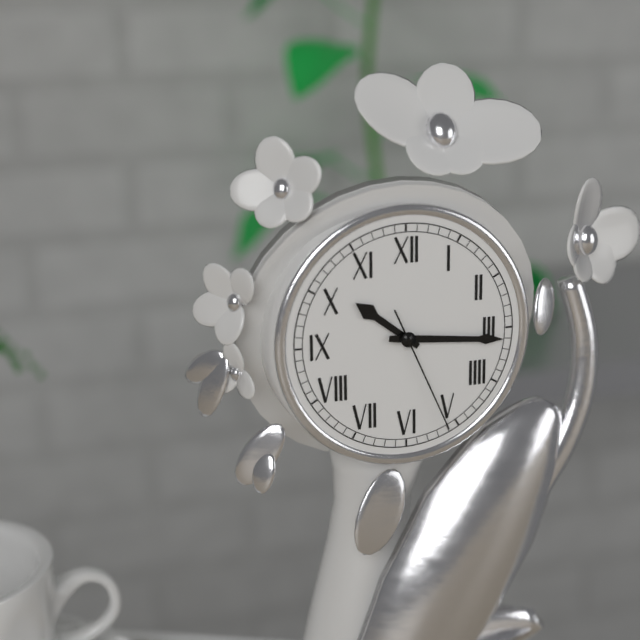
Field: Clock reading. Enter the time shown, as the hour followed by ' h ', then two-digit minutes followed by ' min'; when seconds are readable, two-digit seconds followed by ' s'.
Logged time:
10 h 16 min 26 s
